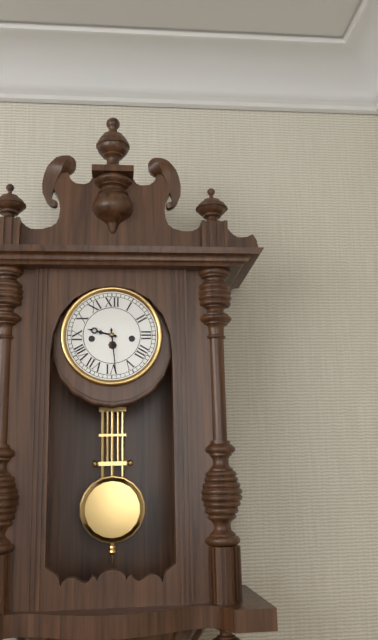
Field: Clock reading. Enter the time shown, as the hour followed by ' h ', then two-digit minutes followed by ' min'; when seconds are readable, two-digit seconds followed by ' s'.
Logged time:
9 h 29 min
